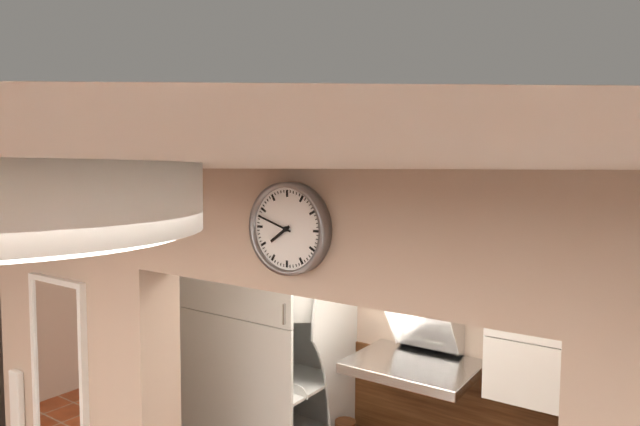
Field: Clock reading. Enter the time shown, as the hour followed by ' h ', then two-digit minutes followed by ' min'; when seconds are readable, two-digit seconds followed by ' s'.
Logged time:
7 h 48 min
